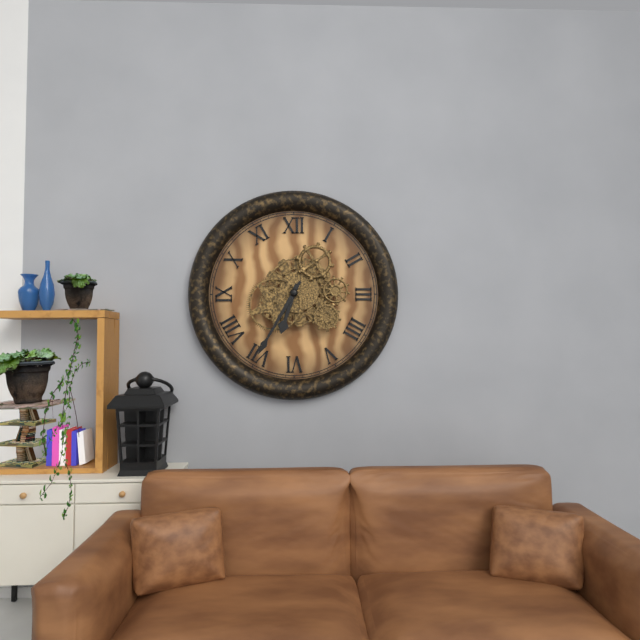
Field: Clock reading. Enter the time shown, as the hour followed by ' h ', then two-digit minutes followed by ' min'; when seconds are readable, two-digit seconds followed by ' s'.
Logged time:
6 h 35 min
